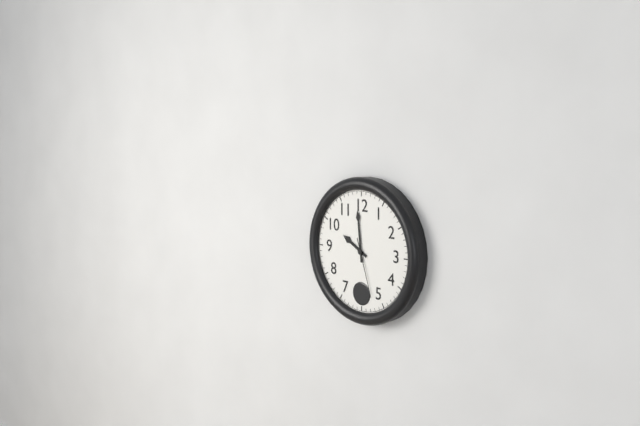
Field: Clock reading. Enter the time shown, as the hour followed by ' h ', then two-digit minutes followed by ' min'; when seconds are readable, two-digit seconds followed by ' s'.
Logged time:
9 h 59 min 27 s
